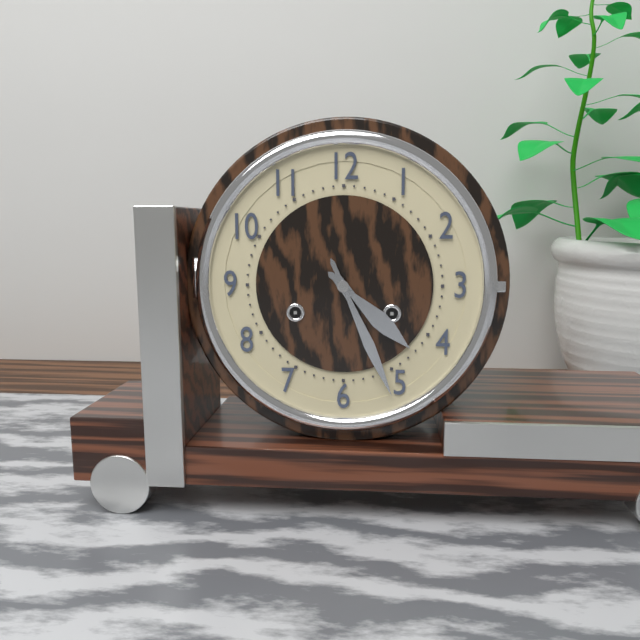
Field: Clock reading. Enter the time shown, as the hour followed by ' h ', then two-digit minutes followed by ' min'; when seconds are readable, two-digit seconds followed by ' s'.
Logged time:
4 h 26 min
